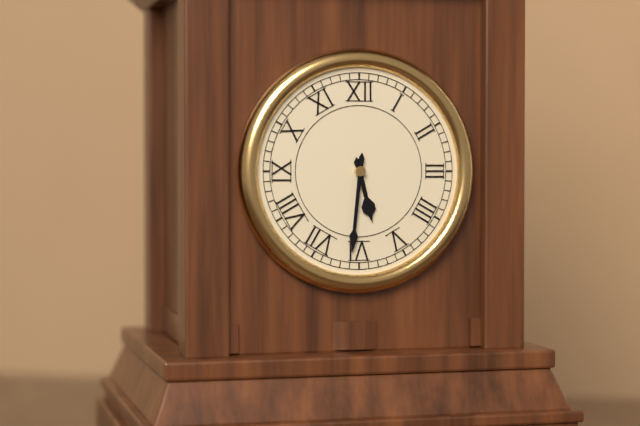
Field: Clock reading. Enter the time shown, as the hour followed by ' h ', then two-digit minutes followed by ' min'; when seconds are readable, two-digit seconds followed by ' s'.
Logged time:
5 h 31 min
